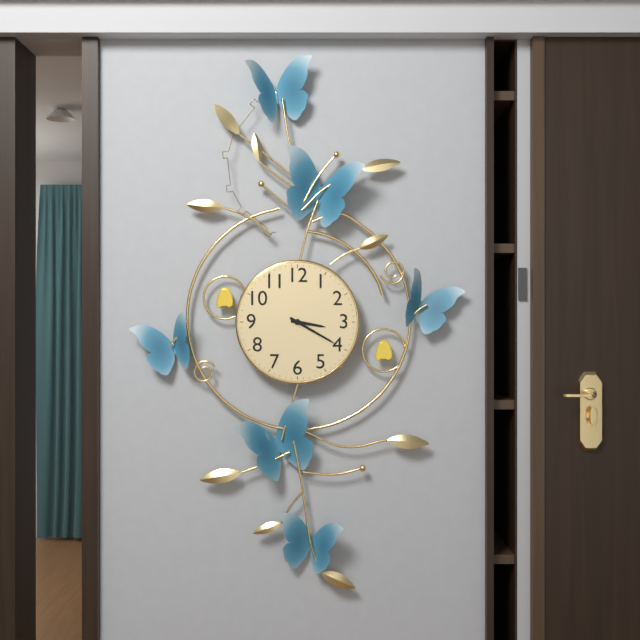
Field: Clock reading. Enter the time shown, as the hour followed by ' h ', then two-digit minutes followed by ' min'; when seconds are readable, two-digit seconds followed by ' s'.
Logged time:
3 h 20 min
